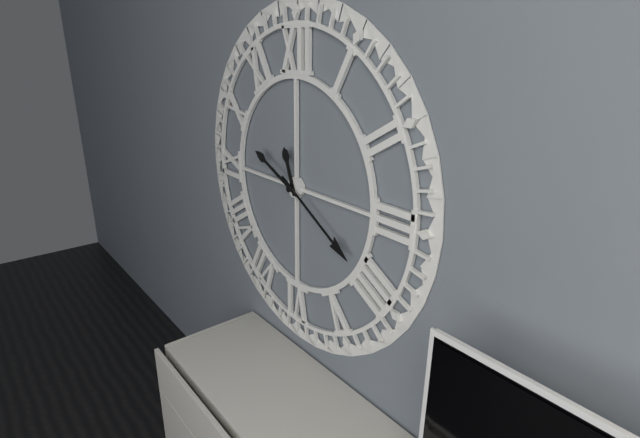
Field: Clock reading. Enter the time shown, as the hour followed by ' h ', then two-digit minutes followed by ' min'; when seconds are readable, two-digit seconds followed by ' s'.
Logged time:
11 h 20 min 49 s
